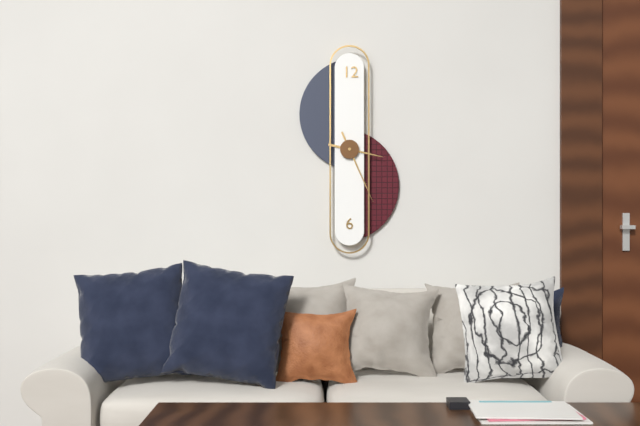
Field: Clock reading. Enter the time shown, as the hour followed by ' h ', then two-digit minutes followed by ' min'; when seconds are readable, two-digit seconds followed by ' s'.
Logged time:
3 h 26 min
